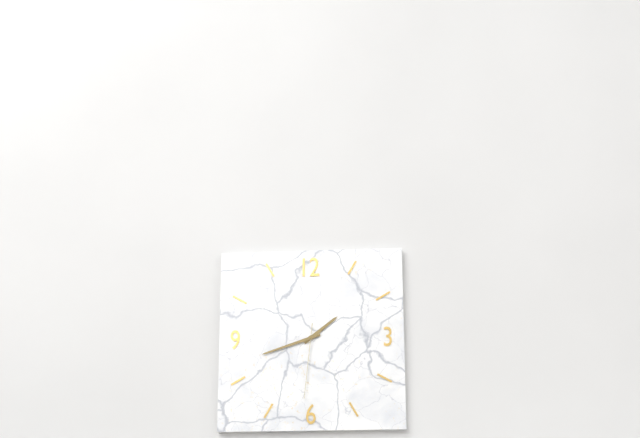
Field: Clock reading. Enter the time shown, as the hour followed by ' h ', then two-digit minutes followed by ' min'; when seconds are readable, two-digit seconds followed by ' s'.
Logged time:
1 h 42 min 31 s
